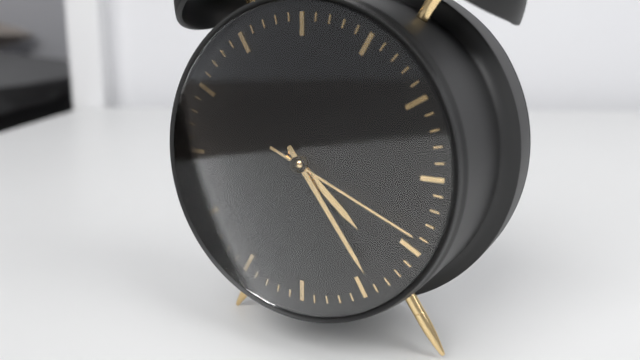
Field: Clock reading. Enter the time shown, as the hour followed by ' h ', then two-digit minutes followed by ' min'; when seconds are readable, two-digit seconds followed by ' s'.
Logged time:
4 h 24 min 19 s
